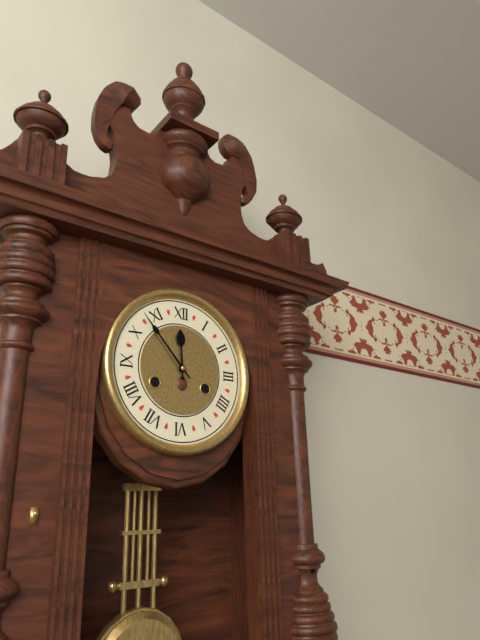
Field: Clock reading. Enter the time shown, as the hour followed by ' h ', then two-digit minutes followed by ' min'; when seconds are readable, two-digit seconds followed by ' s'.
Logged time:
11 h 53 min
